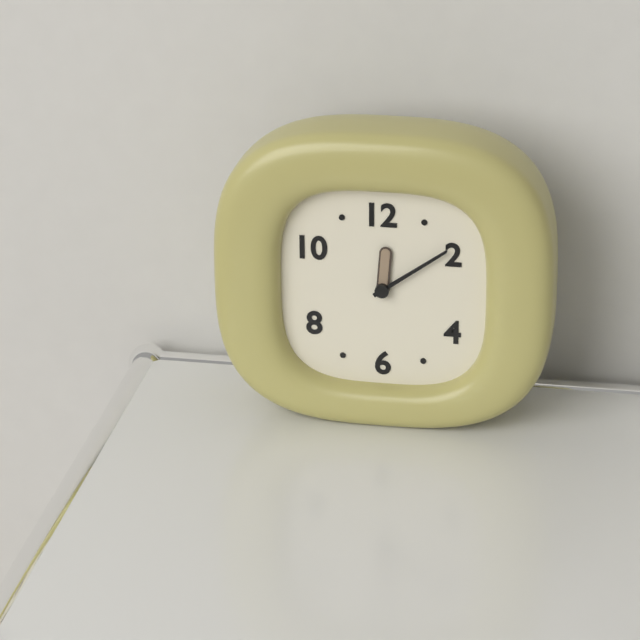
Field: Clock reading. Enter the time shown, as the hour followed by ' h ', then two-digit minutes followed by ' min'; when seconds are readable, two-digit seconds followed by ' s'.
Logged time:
12 h 09 min
